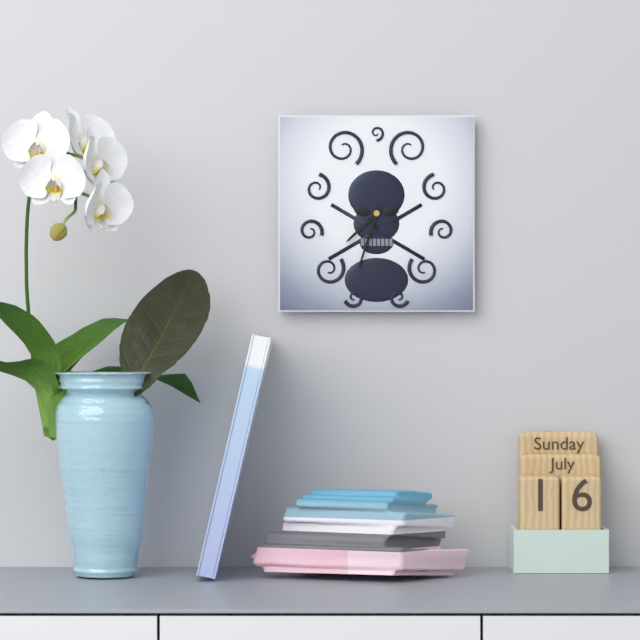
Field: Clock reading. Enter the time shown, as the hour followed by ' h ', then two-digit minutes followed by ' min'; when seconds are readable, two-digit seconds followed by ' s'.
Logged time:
7 h 33 min
